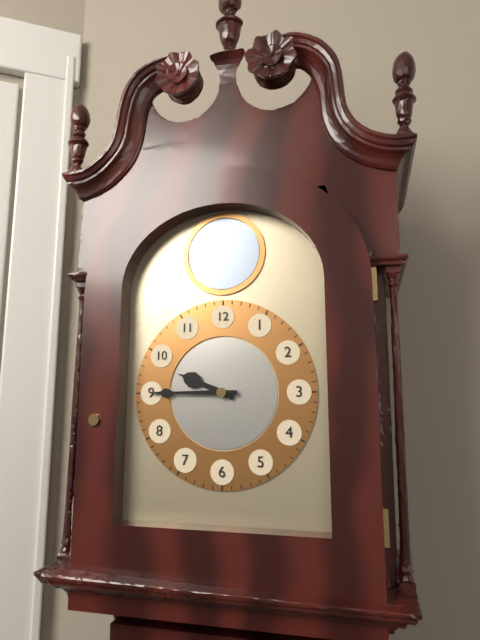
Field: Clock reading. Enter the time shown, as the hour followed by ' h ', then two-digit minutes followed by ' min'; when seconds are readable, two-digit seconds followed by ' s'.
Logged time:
9 h 45 min
